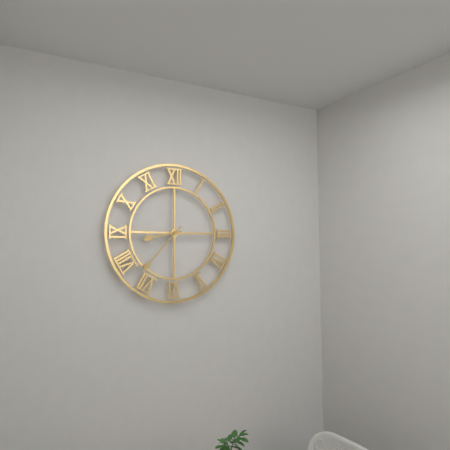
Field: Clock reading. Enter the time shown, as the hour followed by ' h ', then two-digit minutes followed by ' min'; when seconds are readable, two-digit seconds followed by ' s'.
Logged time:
8 h 37 min
